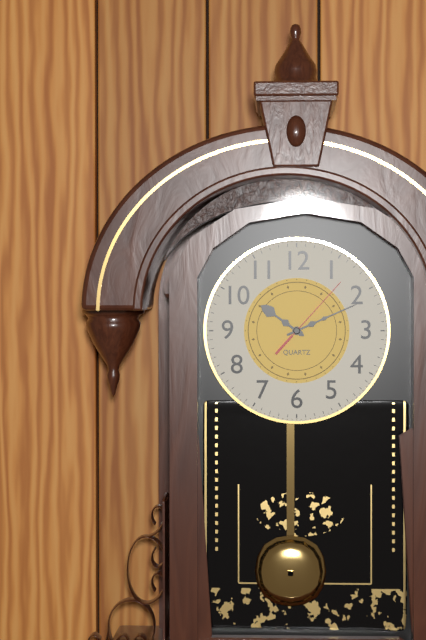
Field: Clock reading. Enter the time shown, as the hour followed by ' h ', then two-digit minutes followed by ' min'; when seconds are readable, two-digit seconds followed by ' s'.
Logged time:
10 h 11 min 07 s
